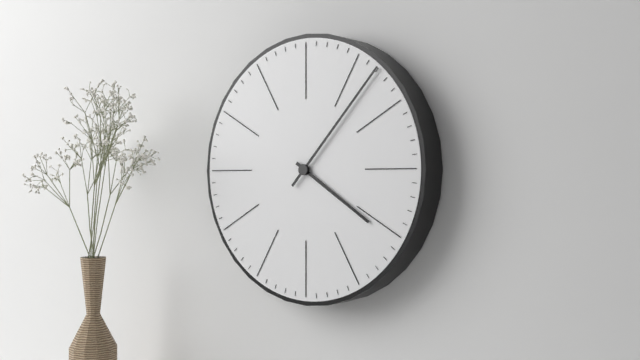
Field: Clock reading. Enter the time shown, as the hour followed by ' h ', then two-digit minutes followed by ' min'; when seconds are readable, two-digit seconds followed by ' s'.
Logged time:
4 h 07 min
